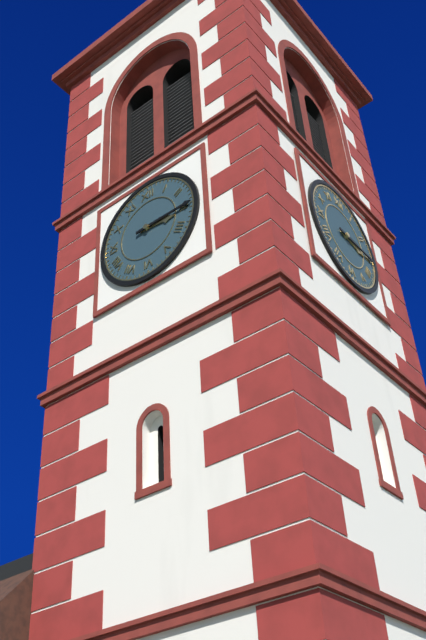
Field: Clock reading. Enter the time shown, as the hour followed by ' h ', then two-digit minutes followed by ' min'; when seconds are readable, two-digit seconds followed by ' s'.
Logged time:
3 h 15 min
